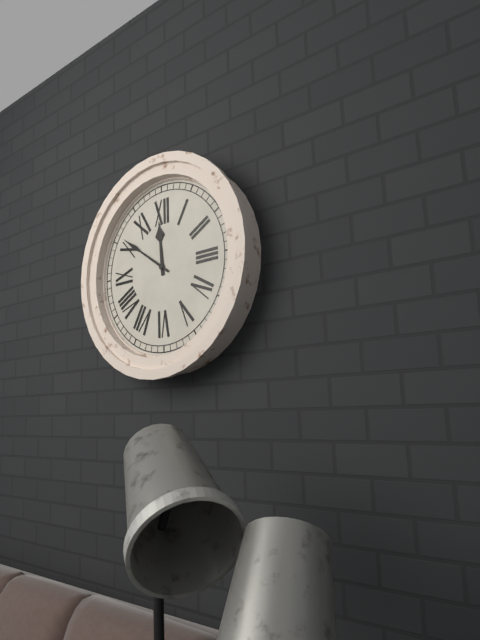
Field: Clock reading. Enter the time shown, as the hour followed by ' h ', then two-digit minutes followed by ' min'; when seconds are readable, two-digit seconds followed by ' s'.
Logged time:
11 h 51 min
